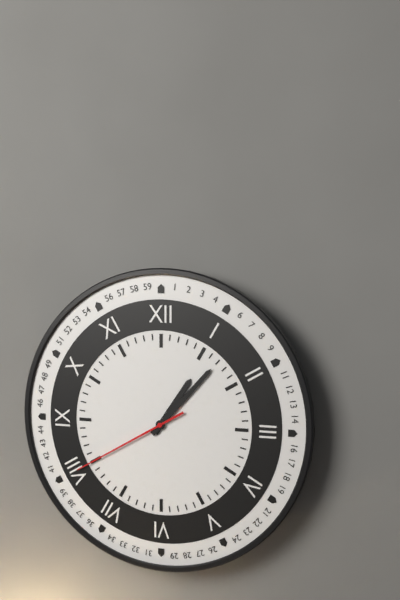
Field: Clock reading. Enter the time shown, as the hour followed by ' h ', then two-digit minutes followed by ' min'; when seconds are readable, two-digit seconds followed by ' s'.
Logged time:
1 h 07 min 40 s
